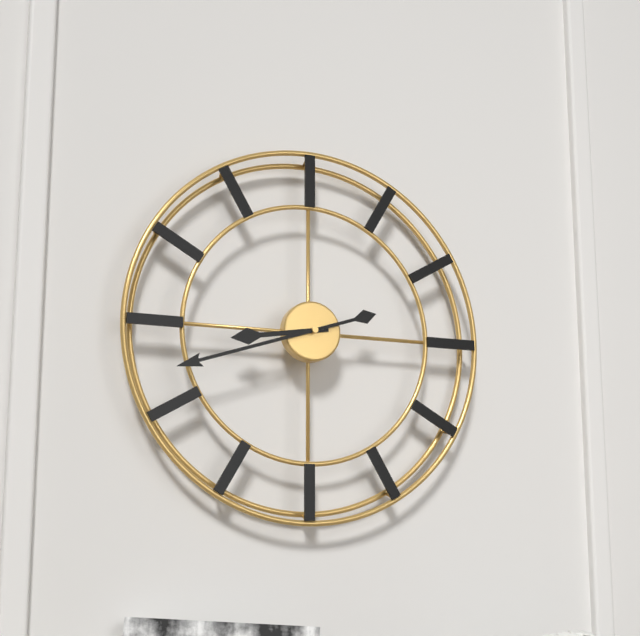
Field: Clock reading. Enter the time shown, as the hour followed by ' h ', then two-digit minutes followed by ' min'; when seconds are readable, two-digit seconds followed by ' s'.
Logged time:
8 h 42 min
